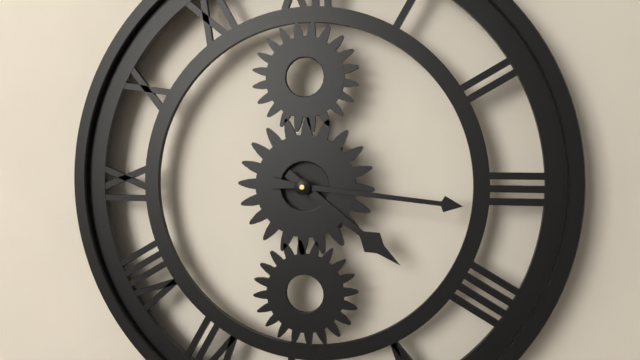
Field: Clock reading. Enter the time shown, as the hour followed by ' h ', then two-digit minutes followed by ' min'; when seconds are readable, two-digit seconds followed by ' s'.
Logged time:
4 h 16 min
